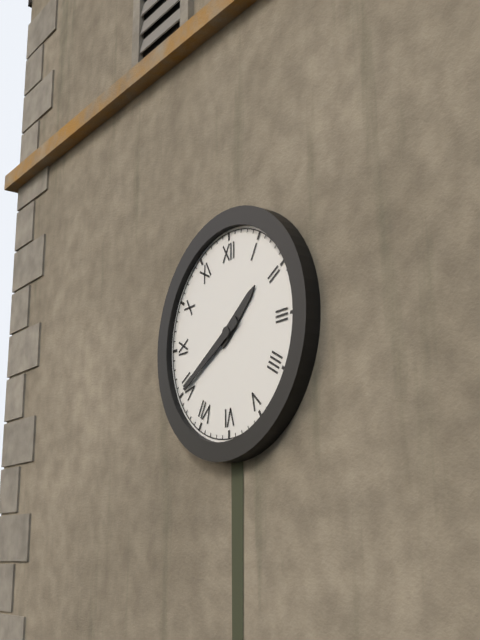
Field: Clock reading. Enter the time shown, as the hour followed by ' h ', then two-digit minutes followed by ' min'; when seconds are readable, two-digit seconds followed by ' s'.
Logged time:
1 h 40 min
